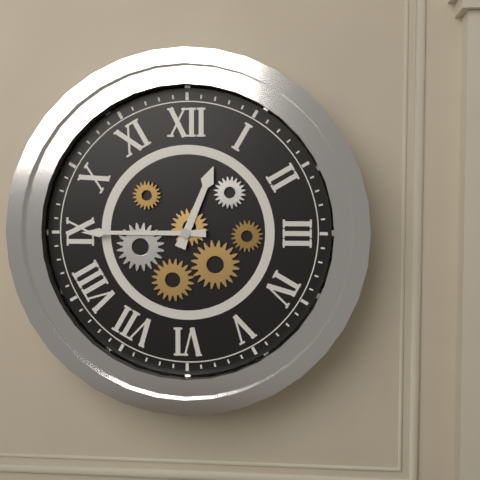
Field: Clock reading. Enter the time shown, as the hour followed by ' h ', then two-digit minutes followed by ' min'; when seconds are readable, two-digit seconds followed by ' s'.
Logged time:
12 h 45 min
